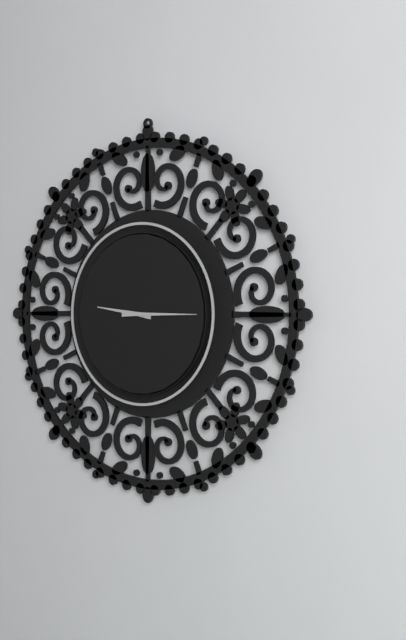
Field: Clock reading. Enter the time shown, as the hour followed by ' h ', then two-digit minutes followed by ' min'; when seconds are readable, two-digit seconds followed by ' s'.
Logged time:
9 h 15 min
